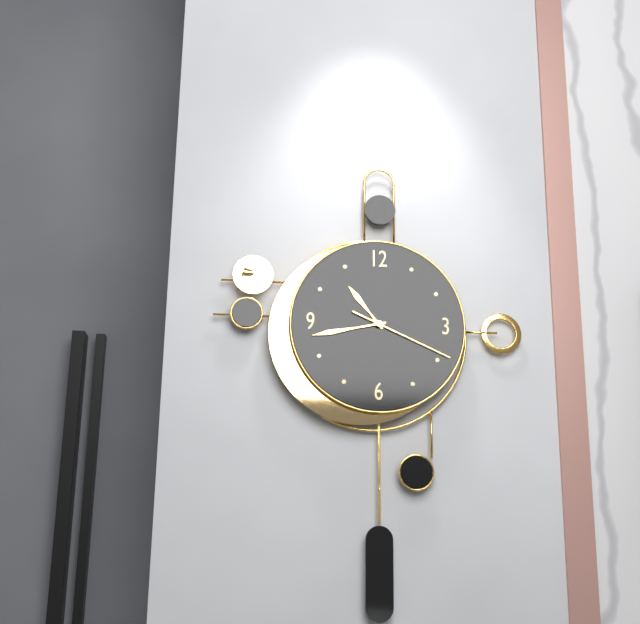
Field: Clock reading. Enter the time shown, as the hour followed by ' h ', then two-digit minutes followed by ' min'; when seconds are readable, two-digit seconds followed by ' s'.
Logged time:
10 h 43 min 19 s
